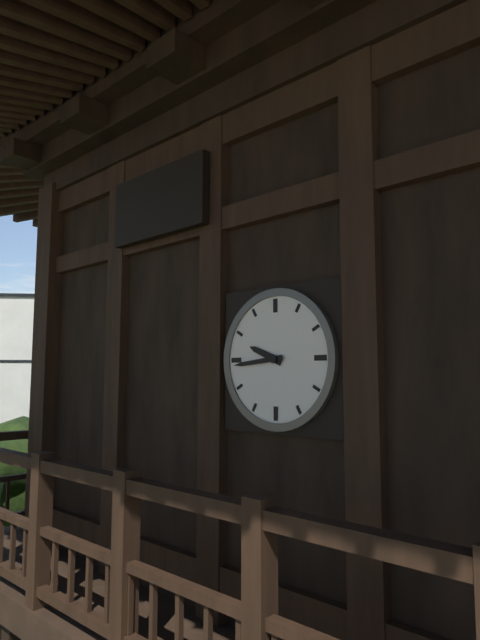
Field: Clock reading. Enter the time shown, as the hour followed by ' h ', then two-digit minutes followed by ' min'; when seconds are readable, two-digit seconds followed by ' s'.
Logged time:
9 h 44 min
